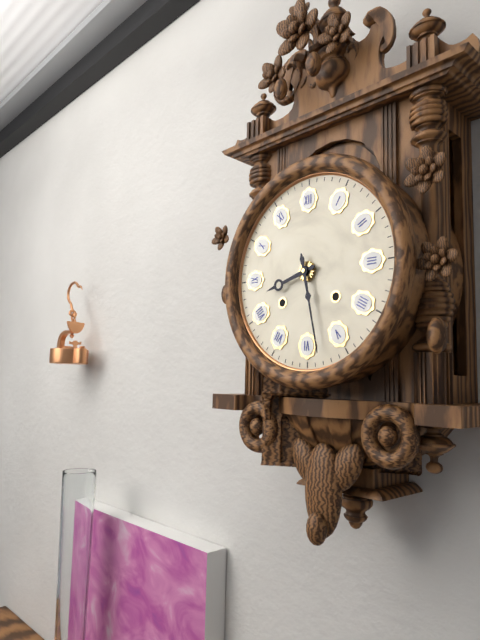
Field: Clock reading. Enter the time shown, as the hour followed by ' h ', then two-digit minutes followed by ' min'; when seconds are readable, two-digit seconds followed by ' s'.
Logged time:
8 h 28 min
